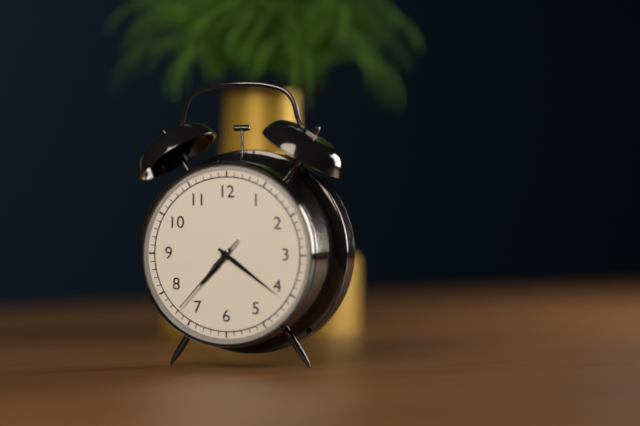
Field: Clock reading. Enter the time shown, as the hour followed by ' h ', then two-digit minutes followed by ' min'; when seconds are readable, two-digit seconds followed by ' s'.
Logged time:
7 h 21 min 37 s
